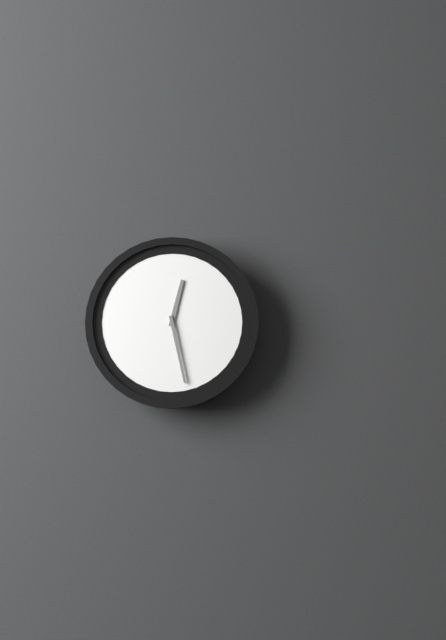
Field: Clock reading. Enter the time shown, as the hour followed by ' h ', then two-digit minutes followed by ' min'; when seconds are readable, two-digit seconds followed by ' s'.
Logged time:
12 h 28 min
